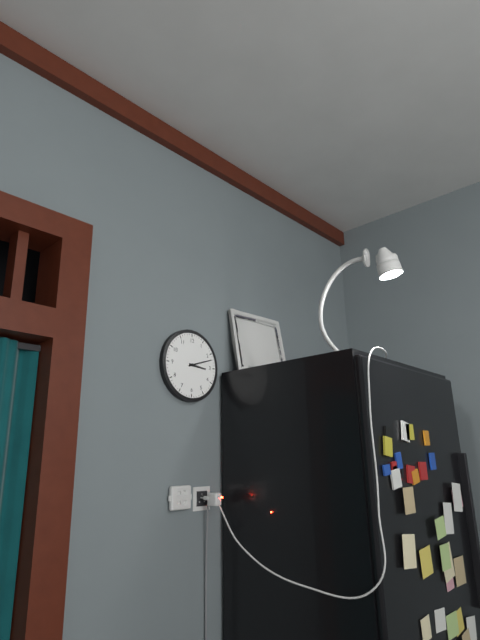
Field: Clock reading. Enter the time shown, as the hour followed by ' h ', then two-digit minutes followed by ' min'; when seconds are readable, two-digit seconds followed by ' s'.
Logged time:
3 h 12 min
